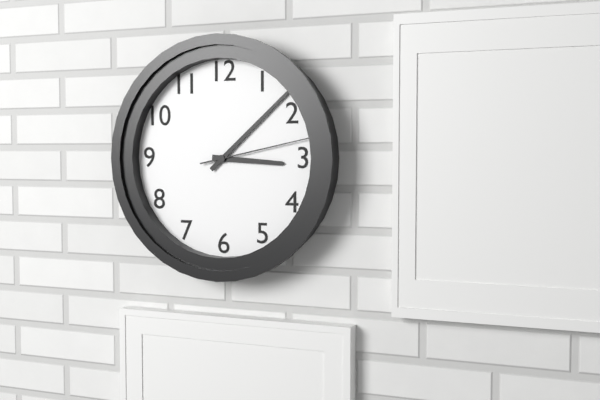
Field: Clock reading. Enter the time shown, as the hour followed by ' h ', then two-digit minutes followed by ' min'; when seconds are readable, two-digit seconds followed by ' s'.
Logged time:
3 h 08 min 13 s
